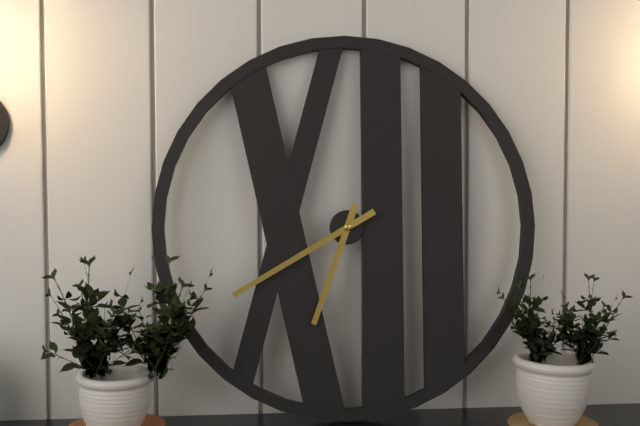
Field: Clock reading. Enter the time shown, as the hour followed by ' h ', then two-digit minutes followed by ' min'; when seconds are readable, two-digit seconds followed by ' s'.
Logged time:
6 h 40 min
